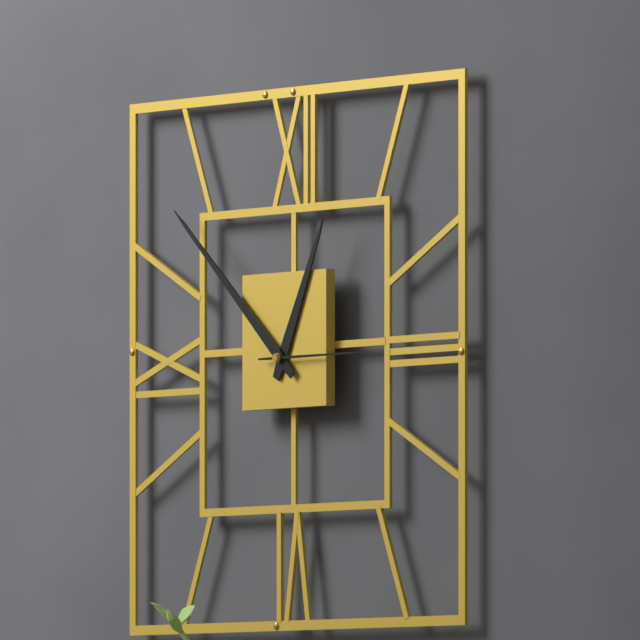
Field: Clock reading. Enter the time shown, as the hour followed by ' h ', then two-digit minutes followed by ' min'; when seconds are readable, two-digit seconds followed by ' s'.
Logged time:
12 h 52 min 15 s
